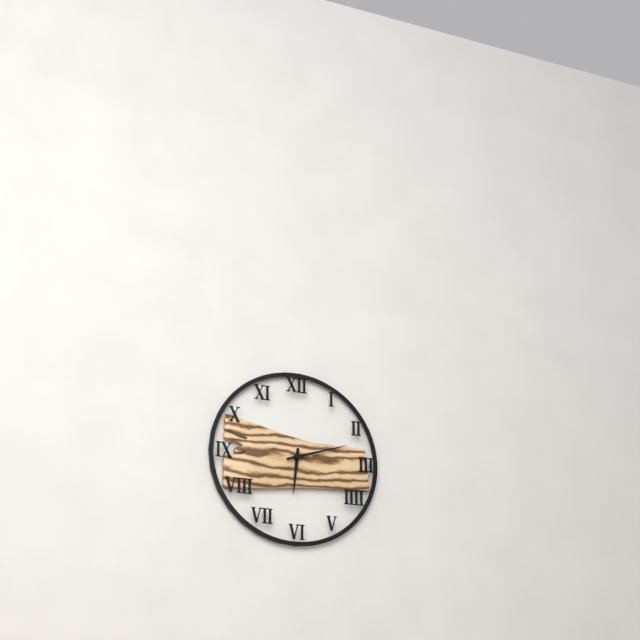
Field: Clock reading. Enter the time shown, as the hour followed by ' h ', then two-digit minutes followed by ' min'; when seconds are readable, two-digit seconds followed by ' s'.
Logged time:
6 h 12 min
